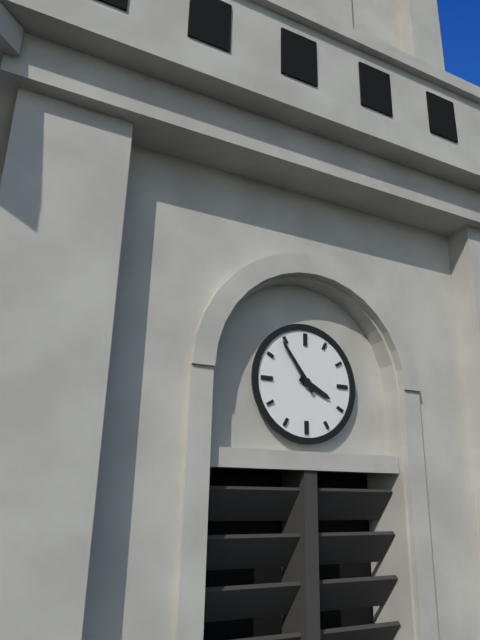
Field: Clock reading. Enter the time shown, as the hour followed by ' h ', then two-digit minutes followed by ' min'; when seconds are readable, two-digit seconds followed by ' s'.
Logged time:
3 h 54 min
